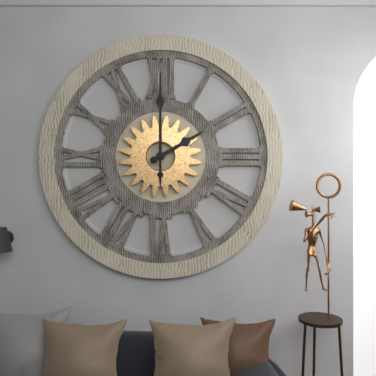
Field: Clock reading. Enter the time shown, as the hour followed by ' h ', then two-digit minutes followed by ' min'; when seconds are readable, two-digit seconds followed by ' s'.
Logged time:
2 h 00 min
